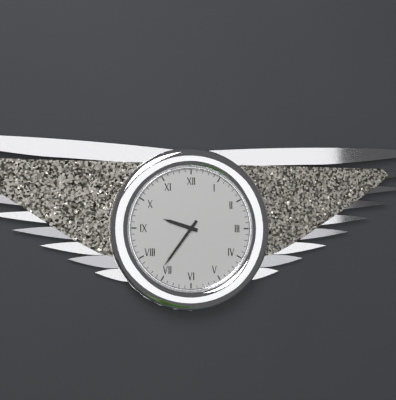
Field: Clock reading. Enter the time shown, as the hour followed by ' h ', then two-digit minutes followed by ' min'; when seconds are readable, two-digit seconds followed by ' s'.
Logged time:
9 h 36 min
